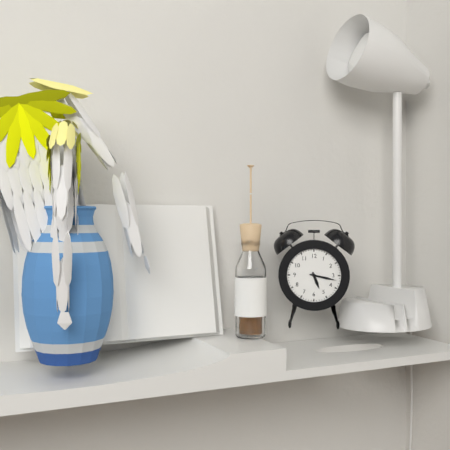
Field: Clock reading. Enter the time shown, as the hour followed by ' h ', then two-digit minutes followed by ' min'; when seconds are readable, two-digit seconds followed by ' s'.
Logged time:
5 h 17 min
